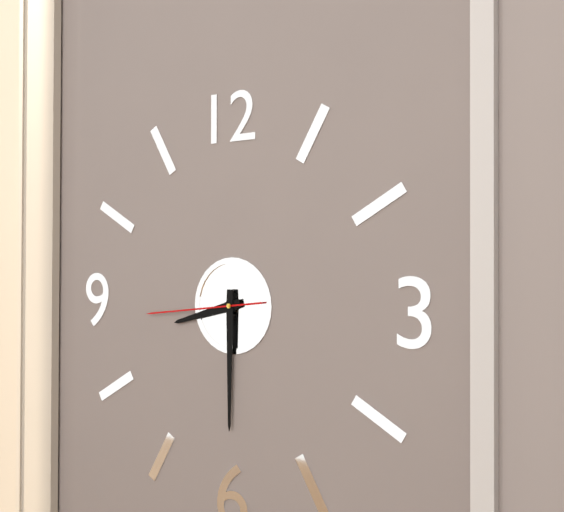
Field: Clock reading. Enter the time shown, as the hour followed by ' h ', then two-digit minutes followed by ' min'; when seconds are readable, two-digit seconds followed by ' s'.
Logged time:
8 h 30 min 44 s
